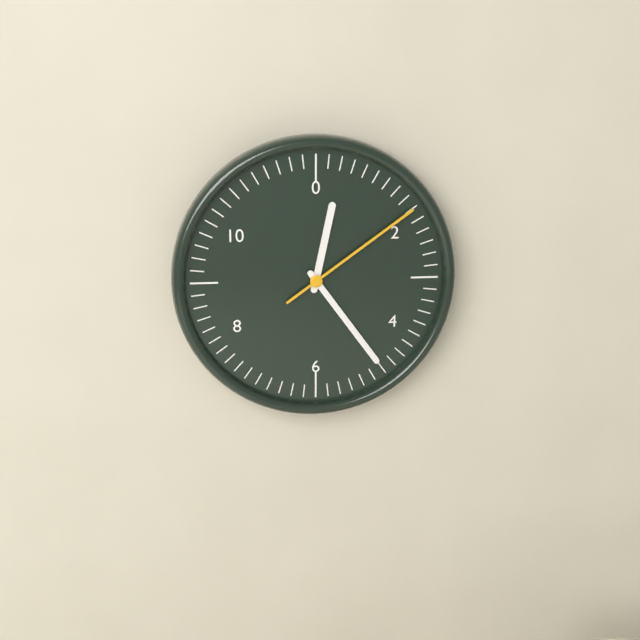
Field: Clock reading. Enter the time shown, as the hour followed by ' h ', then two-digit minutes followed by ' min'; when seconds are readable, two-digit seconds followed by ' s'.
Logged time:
12 h 24 min 09 s
